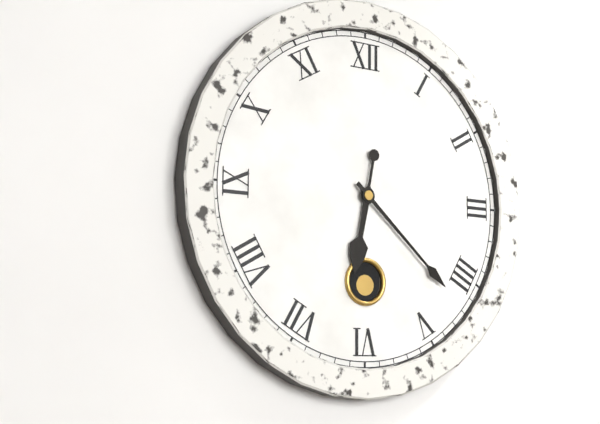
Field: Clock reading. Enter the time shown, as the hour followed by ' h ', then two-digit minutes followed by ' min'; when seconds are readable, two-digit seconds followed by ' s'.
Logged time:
6 h 22 min
